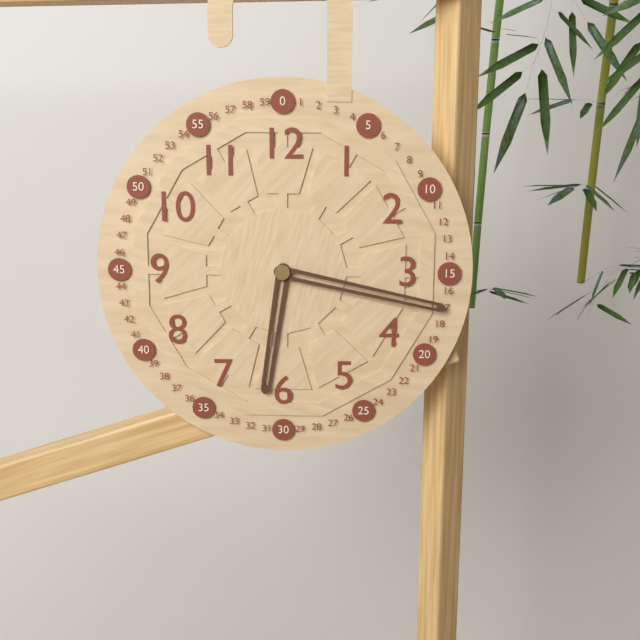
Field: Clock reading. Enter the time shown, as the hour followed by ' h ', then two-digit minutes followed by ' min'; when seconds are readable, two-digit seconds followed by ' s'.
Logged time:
6 h 17 min
